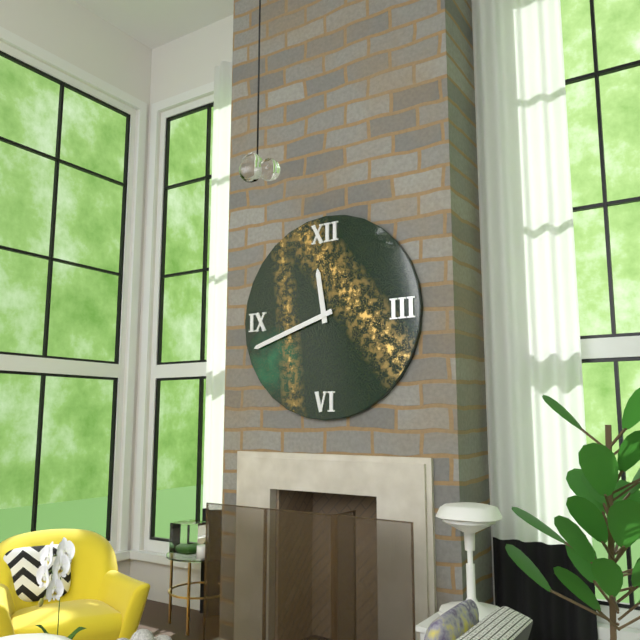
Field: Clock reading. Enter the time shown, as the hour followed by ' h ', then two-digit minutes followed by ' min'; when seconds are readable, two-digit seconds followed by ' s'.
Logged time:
11 h 42 min
